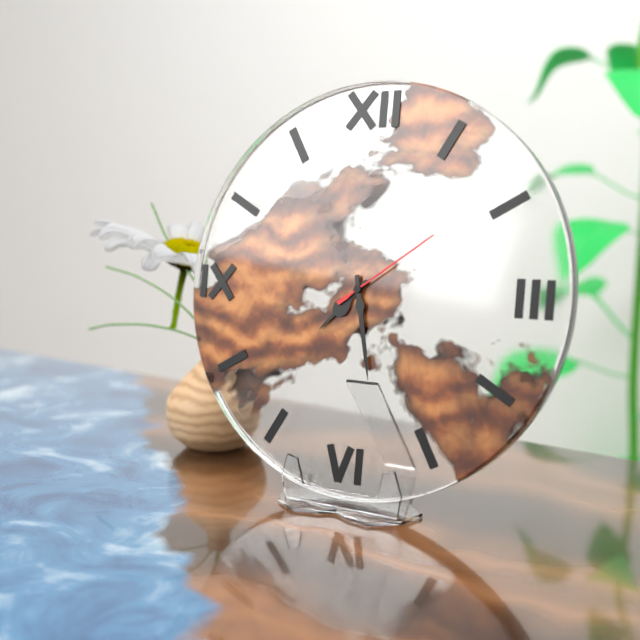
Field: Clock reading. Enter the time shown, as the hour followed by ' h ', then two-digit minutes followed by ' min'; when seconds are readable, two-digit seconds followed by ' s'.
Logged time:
7 h 28 min 09 s
